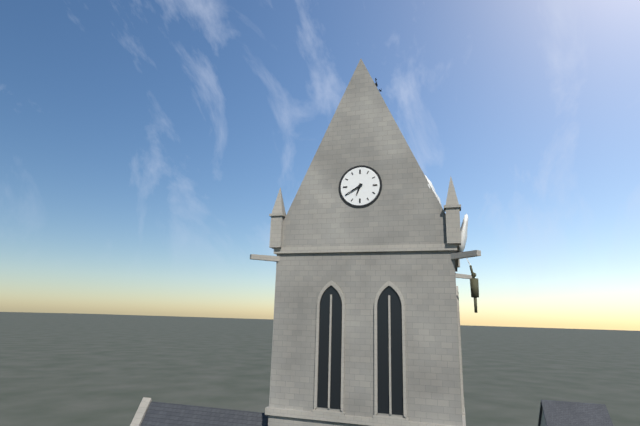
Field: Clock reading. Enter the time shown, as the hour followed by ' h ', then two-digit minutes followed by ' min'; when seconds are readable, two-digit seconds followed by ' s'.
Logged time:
6 h 40 min
